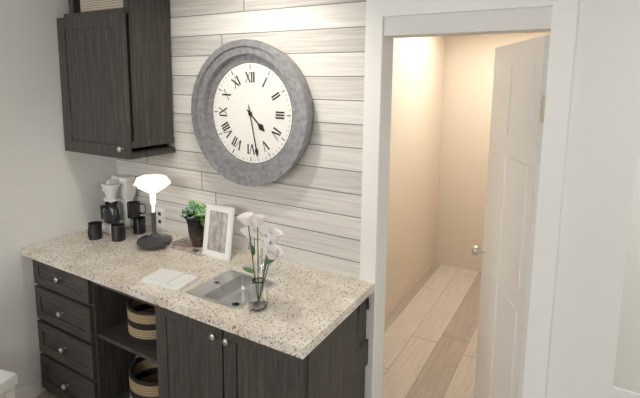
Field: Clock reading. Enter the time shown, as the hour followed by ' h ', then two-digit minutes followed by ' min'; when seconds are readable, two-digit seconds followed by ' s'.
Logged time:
4 h 28 min
